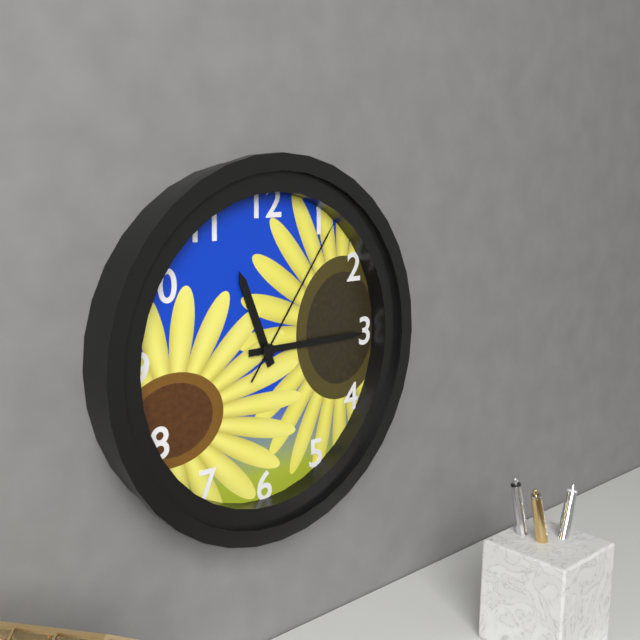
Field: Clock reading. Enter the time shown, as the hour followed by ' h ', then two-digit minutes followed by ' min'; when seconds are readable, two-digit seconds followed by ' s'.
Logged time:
11 h 15 min 06 s
